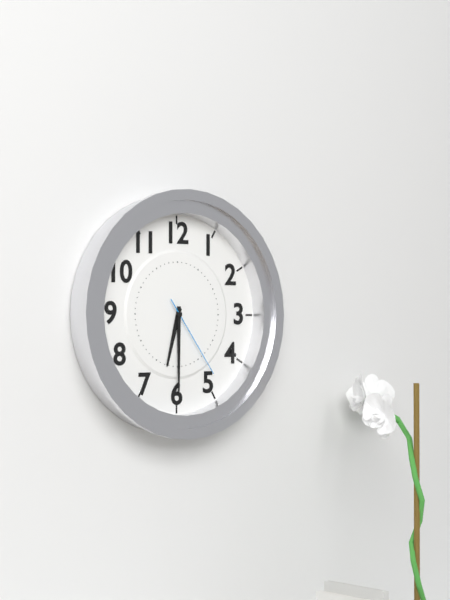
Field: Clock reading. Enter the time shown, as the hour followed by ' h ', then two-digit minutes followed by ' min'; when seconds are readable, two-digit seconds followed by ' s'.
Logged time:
6 h 30 min 24 s
